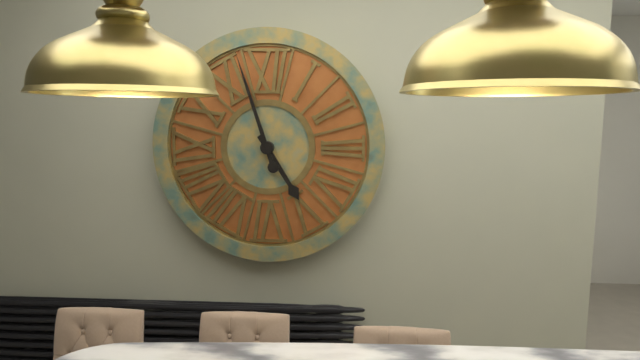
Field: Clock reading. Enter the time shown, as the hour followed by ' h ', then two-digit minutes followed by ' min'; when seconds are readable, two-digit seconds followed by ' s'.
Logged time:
4 h 57 min
